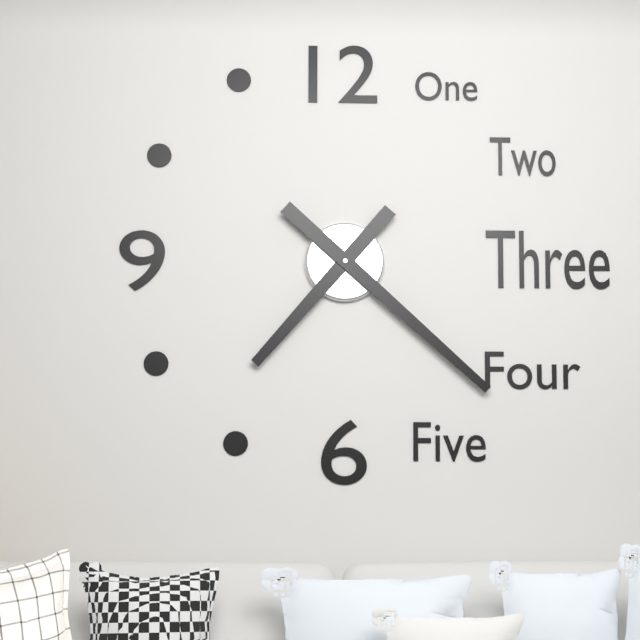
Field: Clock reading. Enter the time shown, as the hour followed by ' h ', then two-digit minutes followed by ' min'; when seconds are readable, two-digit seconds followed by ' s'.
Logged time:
7 h 22 min
